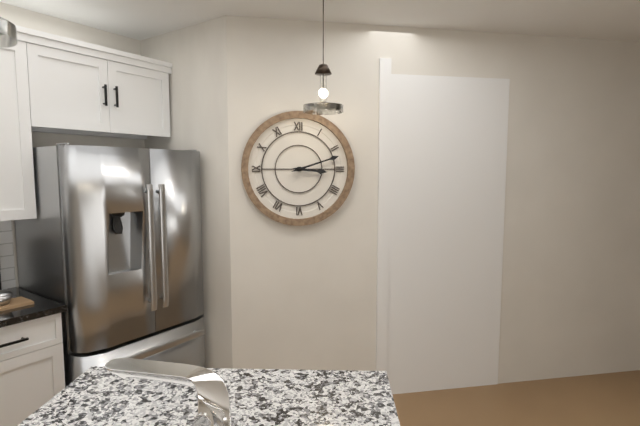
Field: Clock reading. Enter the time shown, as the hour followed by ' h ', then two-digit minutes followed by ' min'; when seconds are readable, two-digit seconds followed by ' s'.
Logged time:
3 h 12 min
